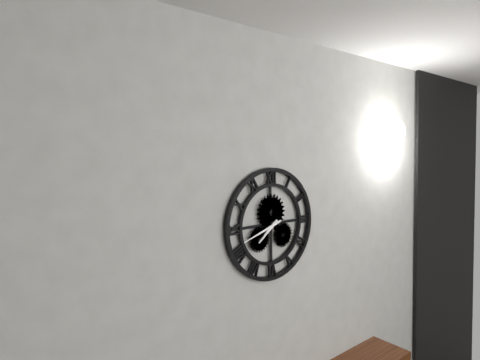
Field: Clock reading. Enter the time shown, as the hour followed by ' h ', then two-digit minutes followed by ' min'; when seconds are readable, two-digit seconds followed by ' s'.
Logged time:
7 h 42 min
